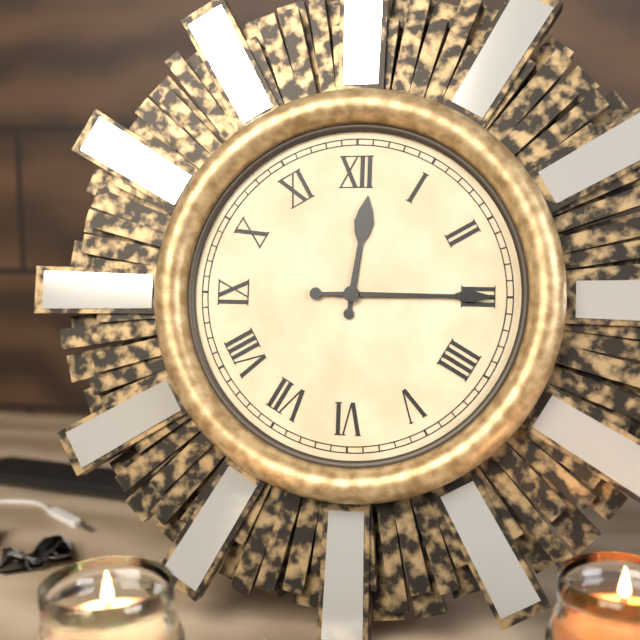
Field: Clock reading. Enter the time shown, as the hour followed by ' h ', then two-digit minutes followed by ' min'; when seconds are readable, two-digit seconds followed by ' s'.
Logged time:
12 h 15 min
